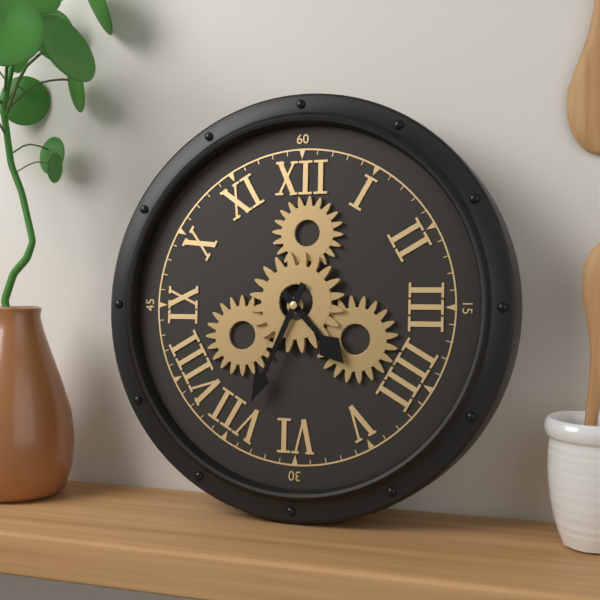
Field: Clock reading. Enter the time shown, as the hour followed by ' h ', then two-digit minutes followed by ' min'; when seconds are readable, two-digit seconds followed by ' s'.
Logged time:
4 h 34 min
